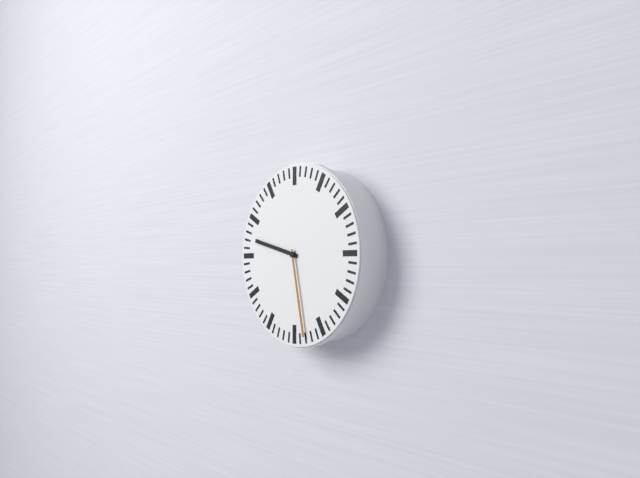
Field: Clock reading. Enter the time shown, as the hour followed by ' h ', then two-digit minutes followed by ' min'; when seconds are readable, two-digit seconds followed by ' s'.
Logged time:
9 h 28 min
